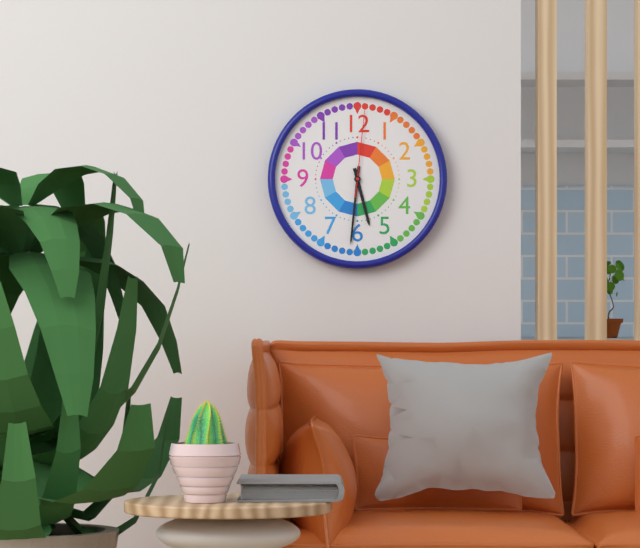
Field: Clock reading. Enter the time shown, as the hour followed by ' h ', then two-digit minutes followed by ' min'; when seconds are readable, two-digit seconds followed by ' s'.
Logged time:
5 h 31 min 01 s
